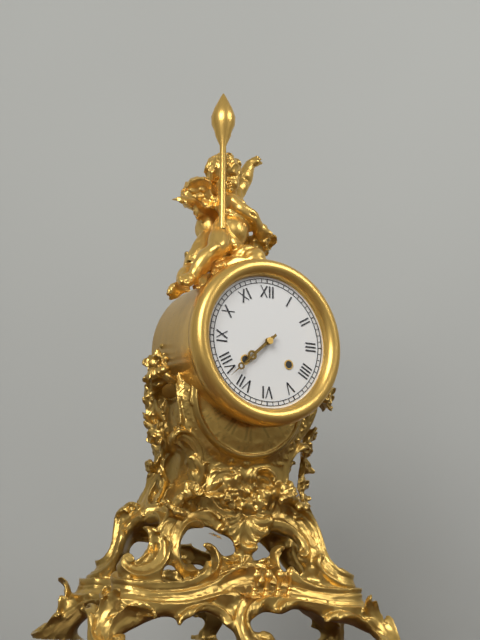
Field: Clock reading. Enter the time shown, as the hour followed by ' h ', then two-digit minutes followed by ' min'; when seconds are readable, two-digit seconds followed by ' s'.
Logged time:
7 h 38 min
